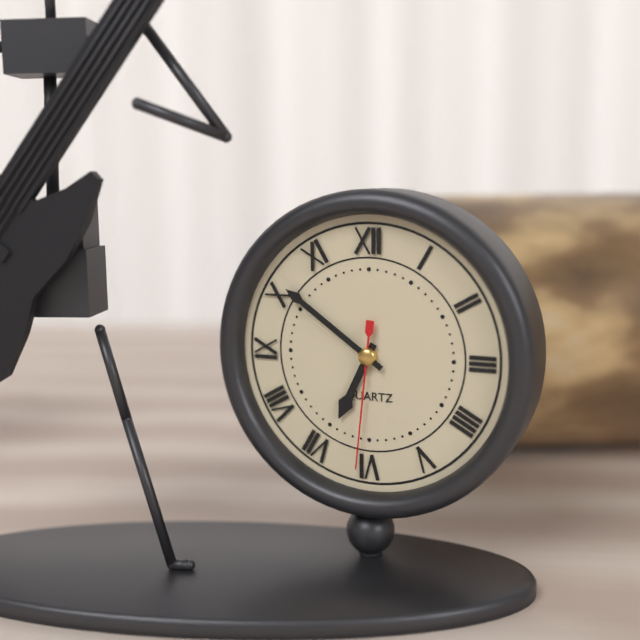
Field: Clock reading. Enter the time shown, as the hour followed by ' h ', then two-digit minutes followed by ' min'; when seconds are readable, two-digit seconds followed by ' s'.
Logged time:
6 h 51 min 31 s
